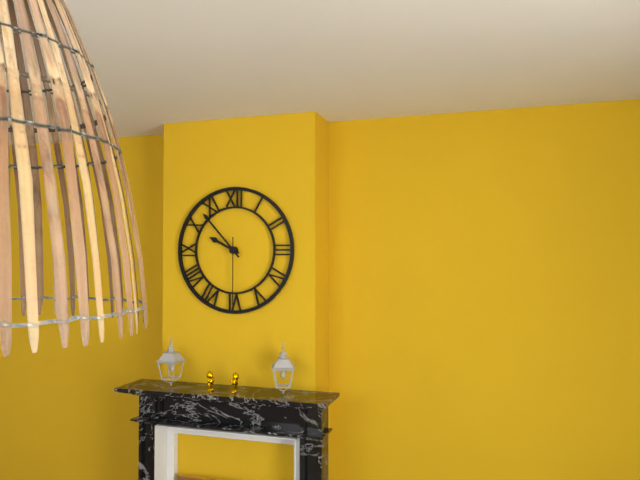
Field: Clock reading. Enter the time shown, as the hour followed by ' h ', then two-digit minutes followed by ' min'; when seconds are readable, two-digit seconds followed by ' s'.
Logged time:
9 h 53 min 30 s
